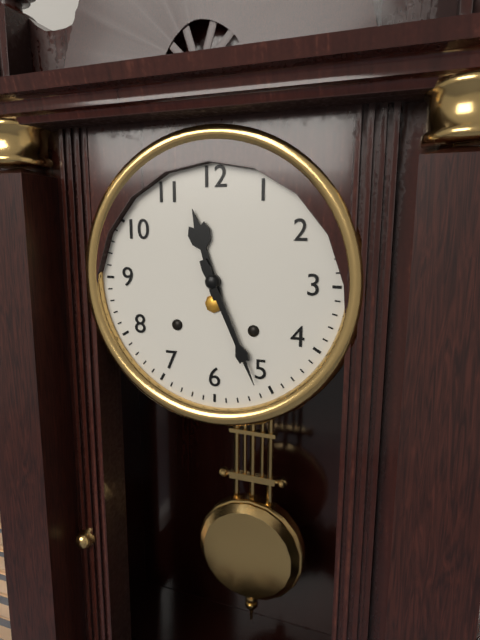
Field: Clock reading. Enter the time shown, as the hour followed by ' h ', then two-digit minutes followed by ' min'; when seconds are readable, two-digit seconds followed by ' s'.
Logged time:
11 h 26 min
